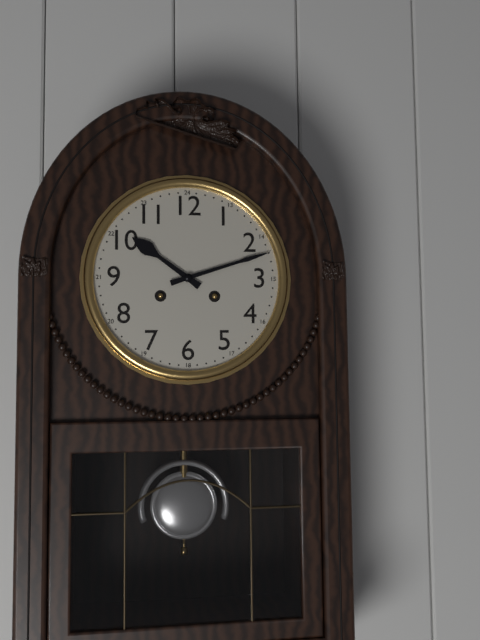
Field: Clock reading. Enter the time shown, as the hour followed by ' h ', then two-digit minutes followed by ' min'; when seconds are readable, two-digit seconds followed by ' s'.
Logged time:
10 h 12 min
